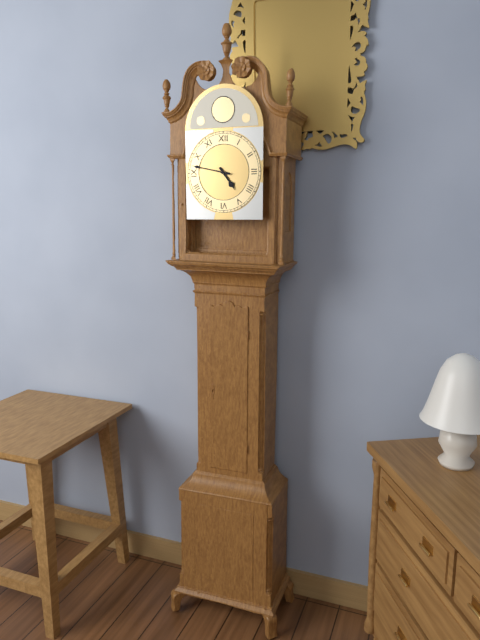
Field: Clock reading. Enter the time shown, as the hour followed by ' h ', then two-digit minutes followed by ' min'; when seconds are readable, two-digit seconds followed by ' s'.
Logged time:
4 h 47 min
